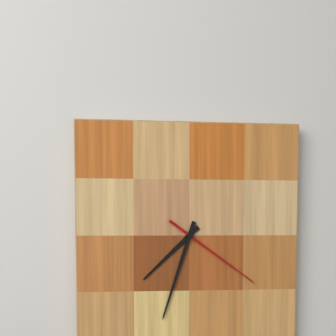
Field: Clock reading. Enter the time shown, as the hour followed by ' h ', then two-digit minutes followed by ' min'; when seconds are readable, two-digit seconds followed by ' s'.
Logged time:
7 h 33 min 21 s
